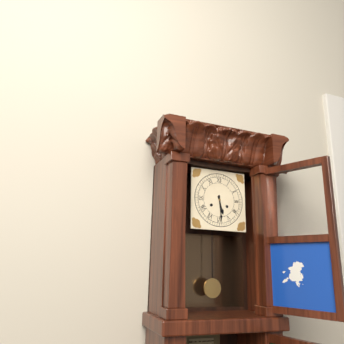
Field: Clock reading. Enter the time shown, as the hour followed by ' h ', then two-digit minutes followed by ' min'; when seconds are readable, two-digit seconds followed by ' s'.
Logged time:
5 h 29 min
